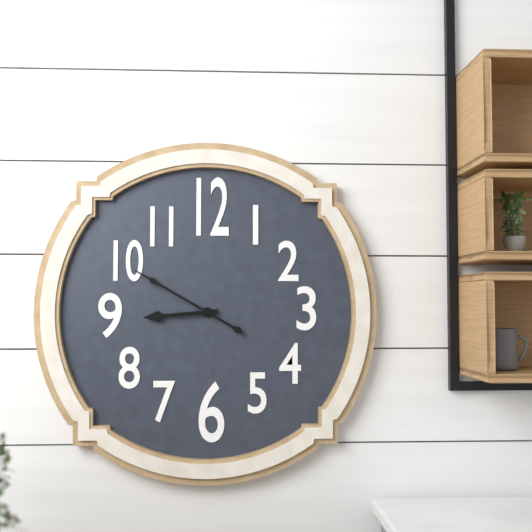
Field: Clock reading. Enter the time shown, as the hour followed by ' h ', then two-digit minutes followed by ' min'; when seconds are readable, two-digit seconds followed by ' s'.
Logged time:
8 h 50 min
